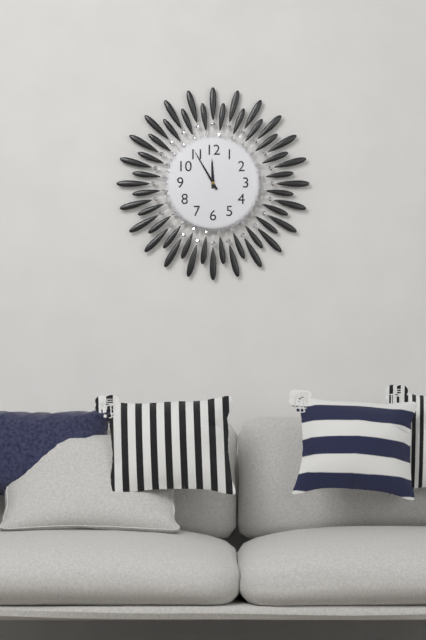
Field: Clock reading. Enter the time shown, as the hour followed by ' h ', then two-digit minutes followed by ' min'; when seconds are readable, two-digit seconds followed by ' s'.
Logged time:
11 h 55 min
